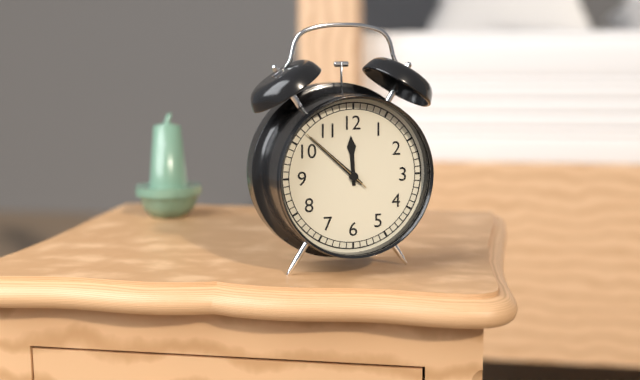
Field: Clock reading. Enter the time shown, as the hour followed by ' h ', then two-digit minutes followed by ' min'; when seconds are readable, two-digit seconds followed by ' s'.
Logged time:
11 h 52 min 52 s
